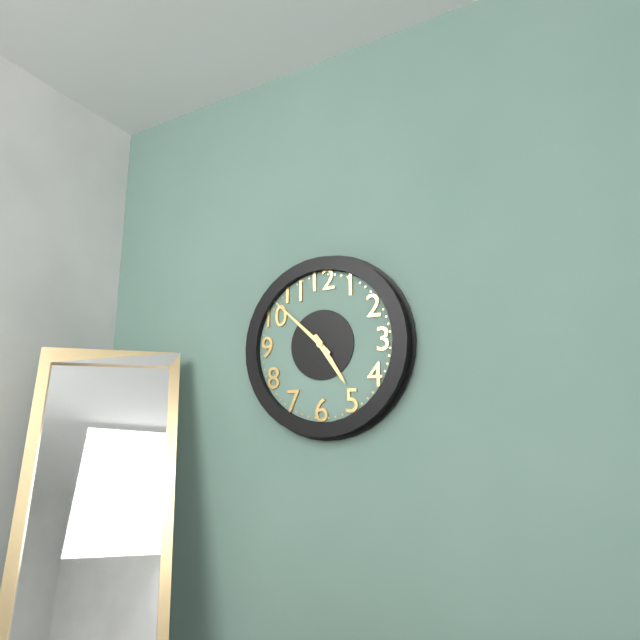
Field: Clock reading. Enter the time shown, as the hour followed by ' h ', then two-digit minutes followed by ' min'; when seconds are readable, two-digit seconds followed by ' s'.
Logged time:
4 h 52 min
